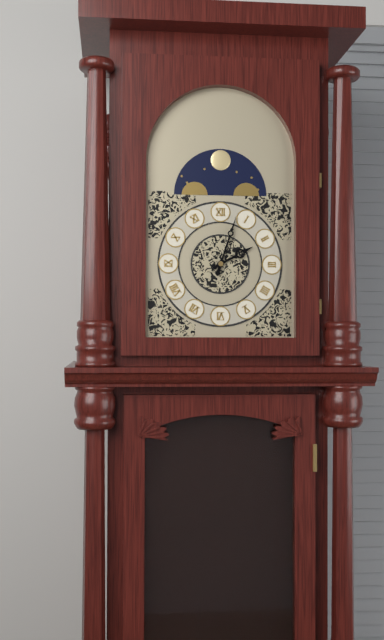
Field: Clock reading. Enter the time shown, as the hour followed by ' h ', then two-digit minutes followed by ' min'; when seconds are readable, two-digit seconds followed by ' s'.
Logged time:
2 h 03 min
